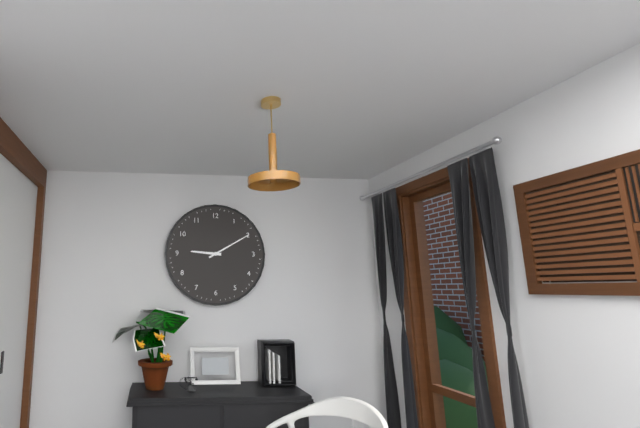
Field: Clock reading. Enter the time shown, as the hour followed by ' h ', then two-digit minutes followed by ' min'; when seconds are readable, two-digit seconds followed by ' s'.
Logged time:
9 h 10 min
